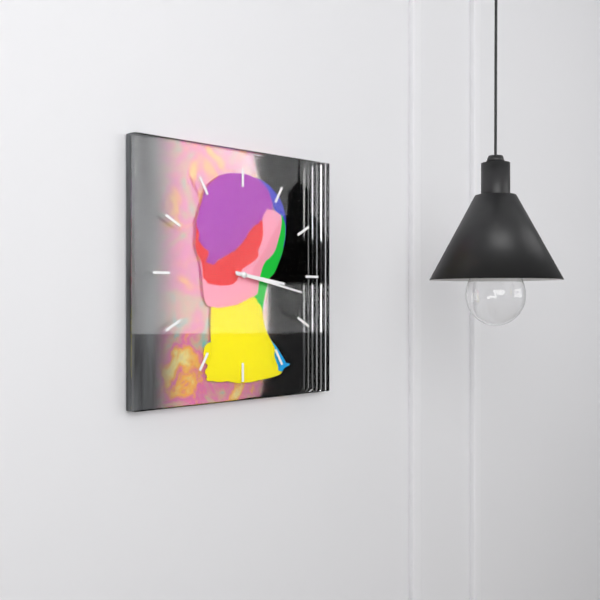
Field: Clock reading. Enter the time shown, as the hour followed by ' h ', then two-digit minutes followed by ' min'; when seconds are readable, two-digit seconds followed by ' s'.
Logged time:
3 h 17 min
